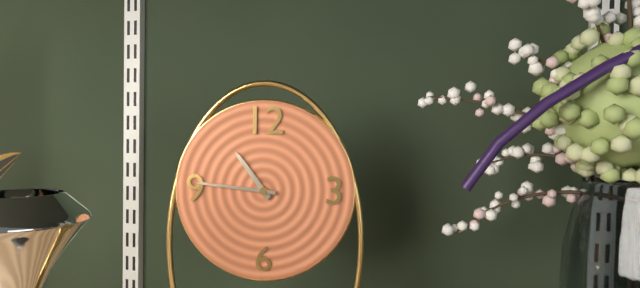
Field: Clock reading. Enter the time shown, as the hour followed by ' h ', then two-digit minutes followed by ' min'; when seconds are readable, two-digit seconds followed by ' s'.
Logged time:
10 h 46 min
